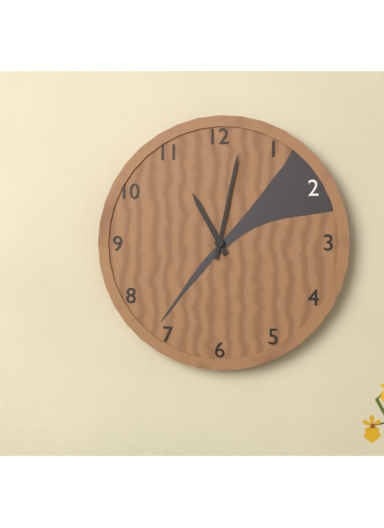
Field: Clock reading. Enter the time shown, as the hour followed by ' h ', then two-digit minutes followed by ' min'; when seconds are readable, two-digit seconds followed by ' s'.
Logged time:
11 h 02 min
